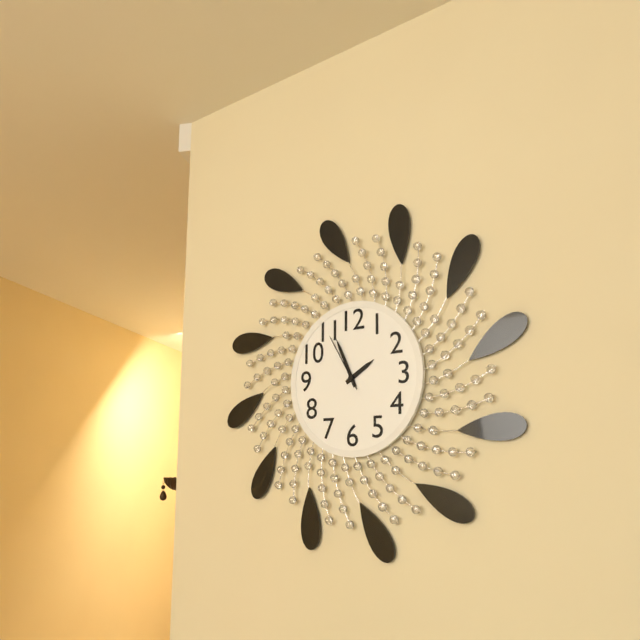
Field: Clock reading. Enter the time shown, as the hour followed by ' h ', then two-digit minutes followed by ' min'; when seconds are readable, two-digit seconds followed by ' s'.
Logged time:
1 h 56 min 55 s
